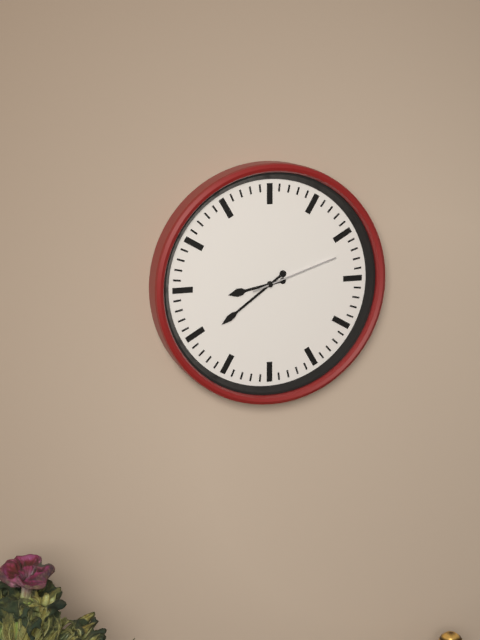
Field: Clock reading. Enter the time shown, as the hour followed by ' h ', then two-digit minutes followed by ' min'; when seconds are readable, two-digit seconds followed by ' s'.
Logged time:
8 h 39 min 12 s
